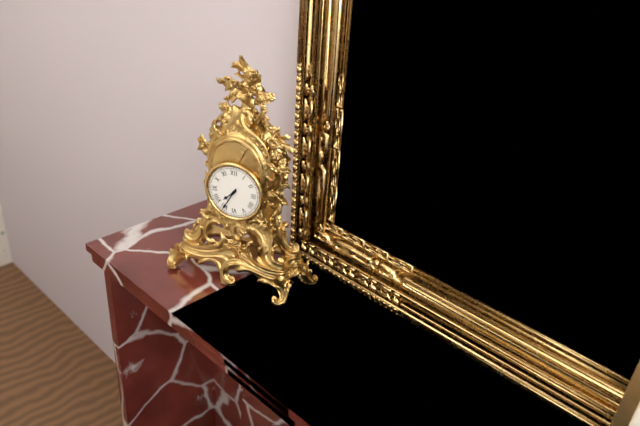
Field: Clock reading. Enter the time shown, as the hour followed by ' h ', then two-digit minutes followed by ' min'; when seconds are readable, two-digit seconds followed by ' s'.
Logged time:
7 h 35 min
